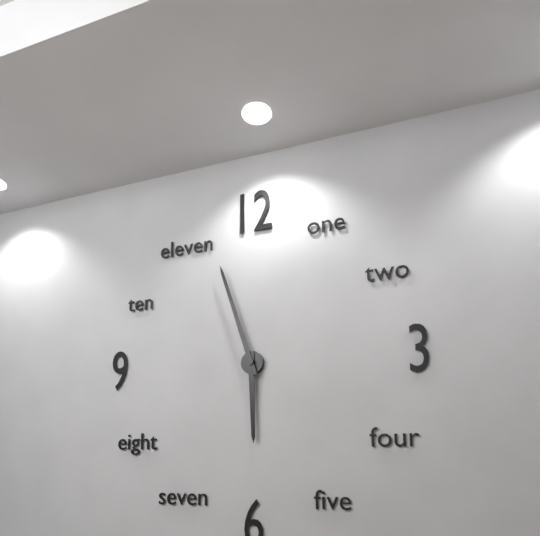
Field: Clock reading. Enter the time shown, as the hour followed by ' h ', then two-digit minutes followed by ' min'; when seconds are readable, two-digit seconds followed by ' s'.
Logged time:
5 h 57 min
